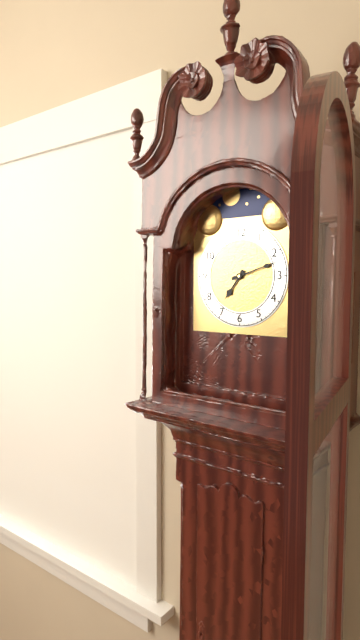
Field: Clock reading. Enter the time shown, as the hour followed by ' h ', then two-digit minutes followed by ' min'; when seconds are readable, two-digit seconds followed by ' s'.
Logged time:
7 h 12 min
